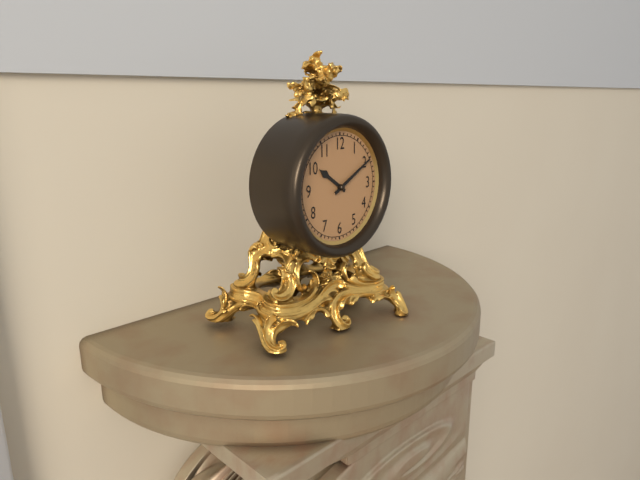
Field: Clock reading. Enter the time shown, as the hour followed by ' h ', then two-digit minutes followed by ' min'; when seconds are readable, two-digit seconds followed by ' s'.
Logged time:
10 h 10 min
